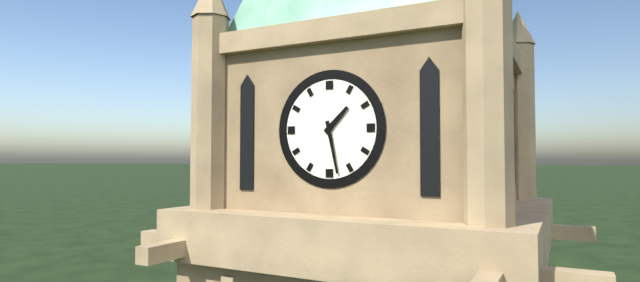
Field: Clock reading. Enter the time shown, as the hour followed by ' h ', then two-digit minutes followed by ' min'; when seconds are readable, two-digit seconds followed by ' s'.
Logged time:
1 h 28 min
